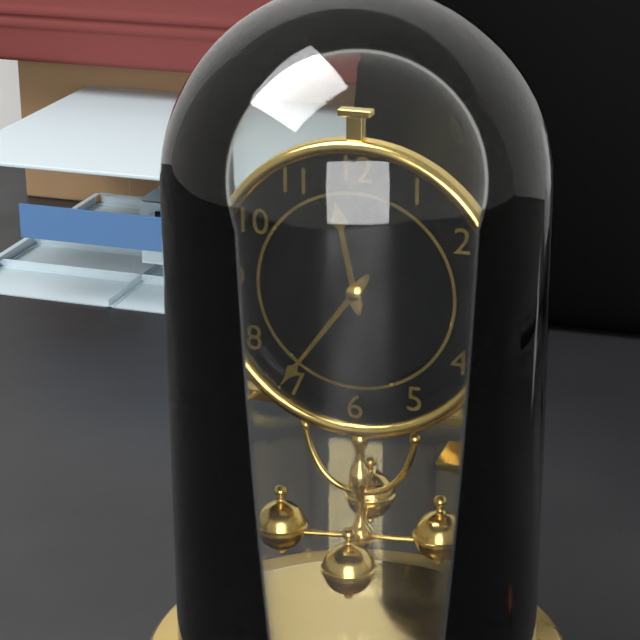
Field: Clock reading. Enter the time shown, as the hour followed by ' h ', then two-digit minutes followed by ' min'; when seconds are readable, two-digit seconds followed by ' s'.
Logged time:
11 h 36 min
